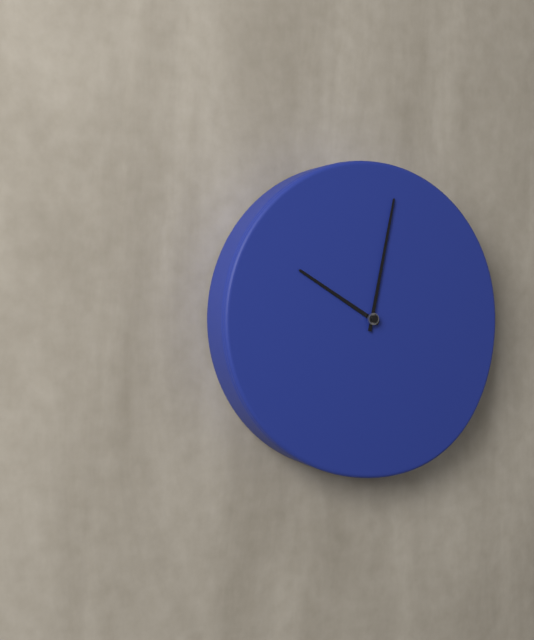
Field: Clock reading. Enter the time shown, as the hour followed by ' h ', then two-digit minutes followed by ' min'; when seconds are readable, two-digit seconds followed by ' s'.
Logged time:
10 h 02 min
